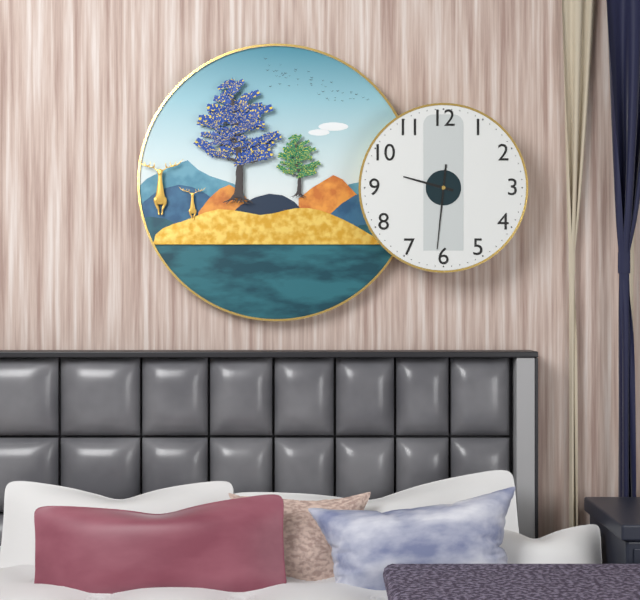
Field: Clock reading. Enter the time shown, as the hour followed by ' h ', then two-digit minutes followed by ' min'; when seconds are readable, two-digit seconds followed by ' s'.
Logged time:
9 h 31 min
